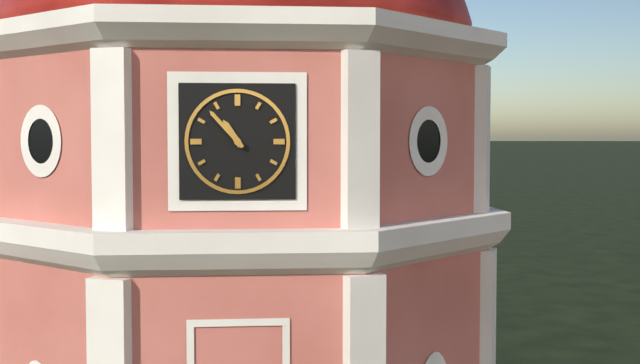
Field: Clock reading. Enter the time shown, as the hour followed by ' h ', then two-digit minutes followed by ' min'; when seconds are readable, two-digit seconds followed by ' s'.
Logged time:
10 h 53 min
